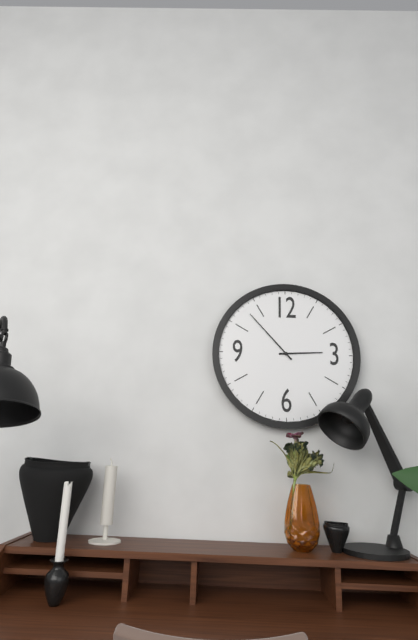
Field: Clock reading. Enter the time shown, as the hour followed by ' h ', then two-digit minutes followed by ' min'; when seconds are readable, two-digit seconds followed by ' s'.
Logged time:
2 h 53 min
